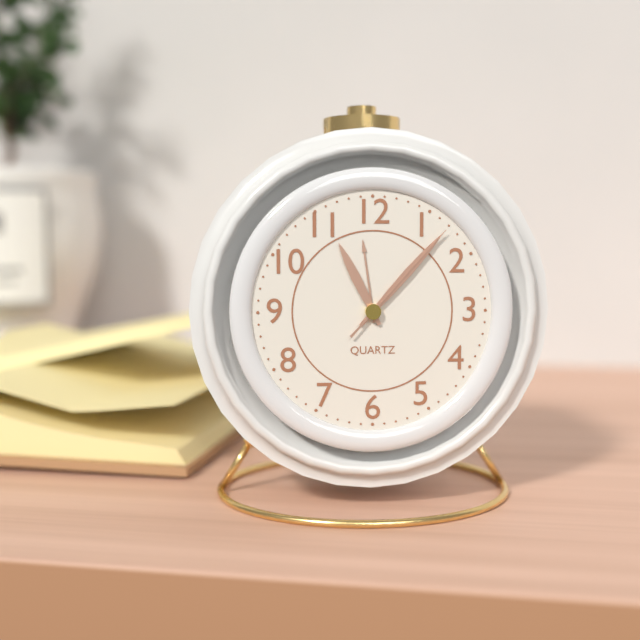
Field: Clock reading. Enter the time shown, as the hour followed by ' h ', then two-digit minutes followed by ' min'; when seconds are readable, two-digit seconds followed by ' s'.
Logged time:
11 h 07 min 07 s
